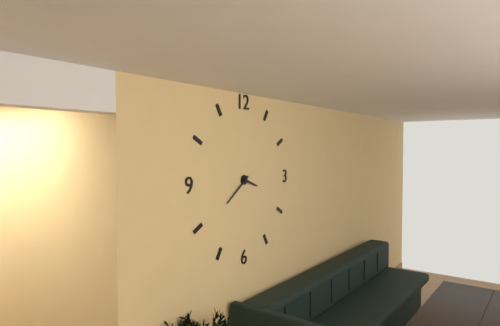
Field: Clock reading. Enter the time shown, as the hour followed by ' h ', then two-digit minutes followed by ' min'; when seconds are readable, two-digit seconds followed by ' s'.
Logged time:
3 h 39 min
